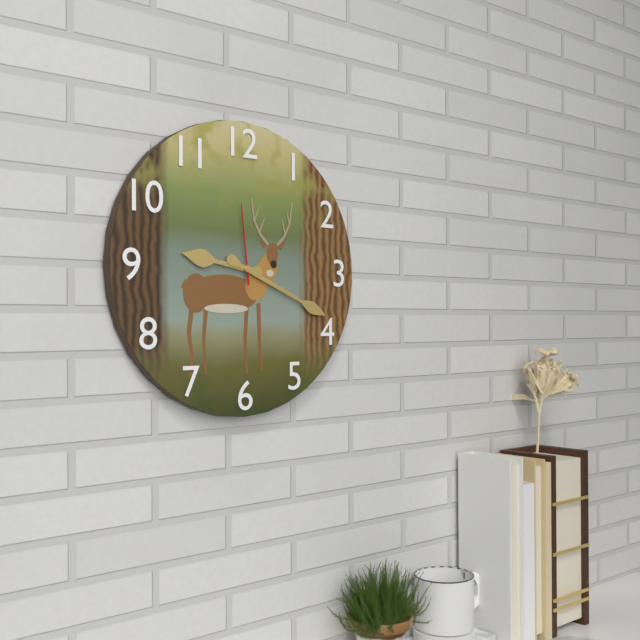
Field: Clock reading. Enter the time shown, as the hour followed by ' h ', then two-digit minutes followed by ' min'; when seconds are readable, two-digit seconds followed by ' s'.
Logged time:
9 h 19 min 59 s
